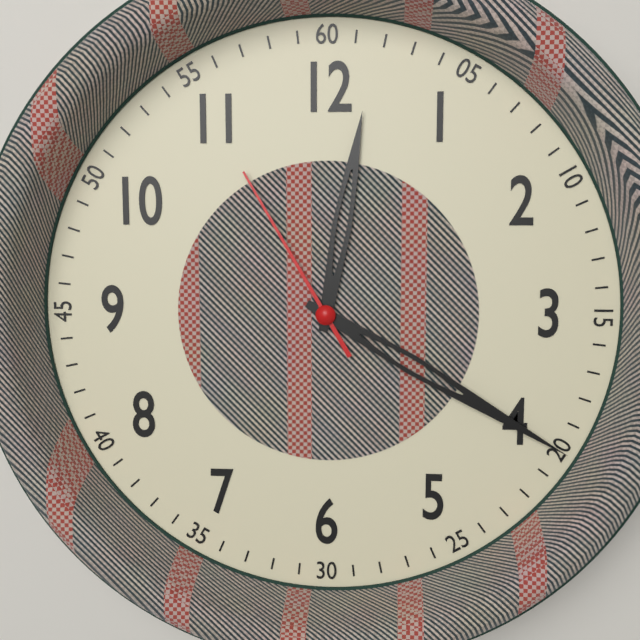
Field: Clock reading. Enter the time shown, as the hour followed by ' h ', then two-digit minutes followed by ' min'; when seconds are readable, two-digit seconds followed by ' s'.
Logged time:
12 h 20 min 55 s
